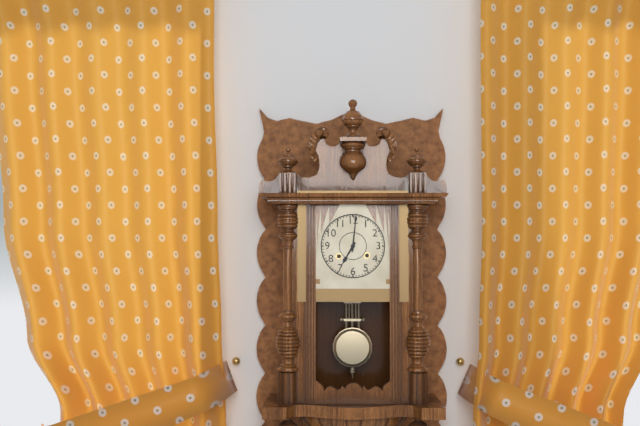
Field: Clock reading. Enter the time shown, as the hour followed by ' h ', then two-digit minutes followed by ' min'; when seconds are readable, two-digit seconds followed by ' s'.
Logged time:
7 h 01 min
